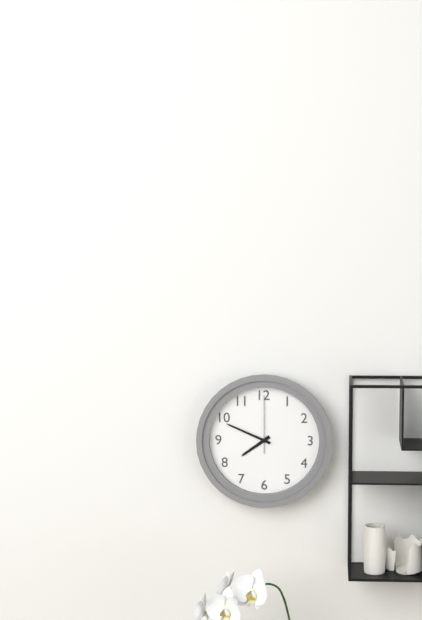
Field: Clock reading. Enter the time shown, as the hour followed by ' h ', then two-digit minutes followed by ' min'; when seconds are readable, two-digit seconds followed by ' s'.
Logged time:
7 h 49 min 00 s
